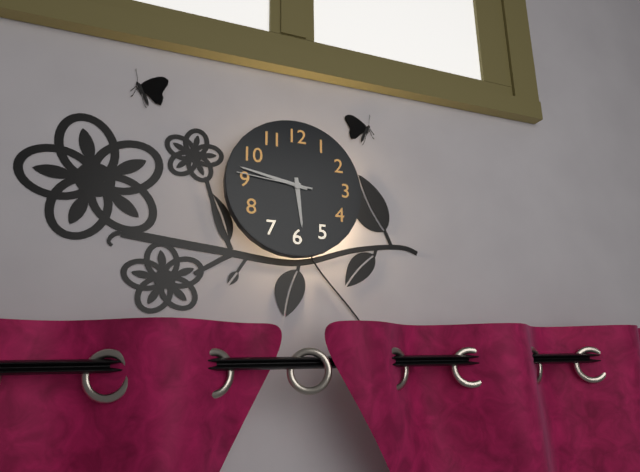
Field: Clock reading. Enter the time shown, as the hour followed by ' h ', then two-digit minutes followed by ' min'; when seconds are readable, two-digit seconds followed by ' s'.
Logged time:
5 h 47 min 46 s
